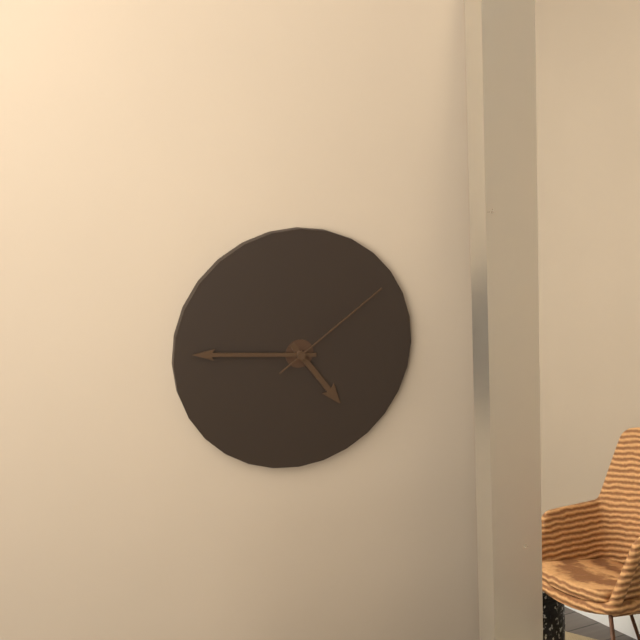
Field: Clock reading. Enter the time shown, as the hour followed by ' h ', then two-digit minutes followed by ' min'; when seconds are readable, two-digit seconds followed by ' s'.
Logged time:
4 h 46 min 09 s
